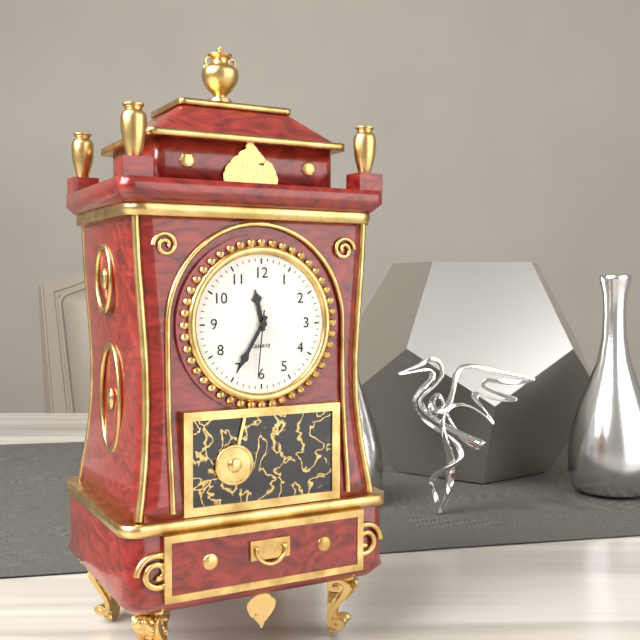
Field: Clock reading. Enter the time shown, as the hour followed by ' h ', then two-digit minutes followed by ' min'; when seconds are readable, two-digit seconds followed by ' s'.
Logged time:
11 h 35 min 31 s
